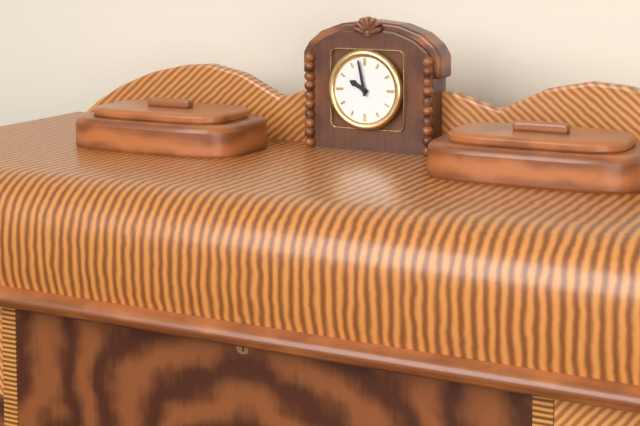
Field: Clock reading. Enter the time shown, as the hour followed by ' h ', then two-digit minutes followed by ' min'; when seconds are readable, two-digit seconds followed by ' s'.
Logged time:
9 h 58 min
